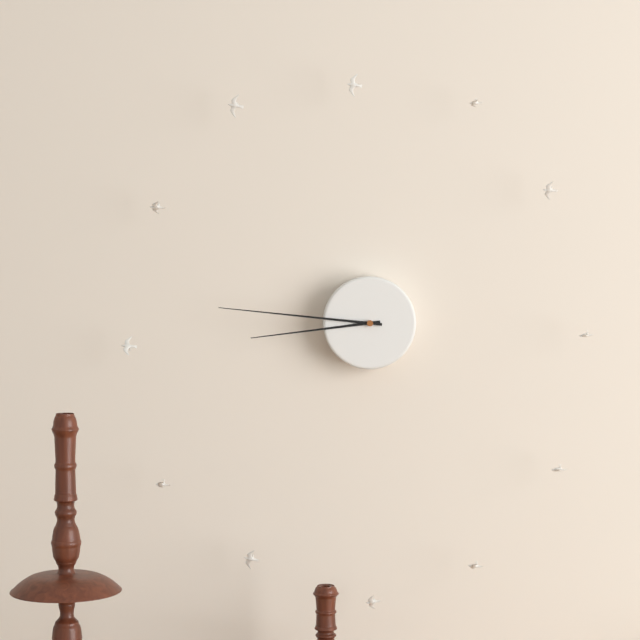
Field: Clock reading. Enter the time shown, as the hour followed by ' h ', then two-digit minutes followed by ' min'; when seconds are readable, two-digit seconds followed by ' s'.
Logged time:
8 h 46 min
